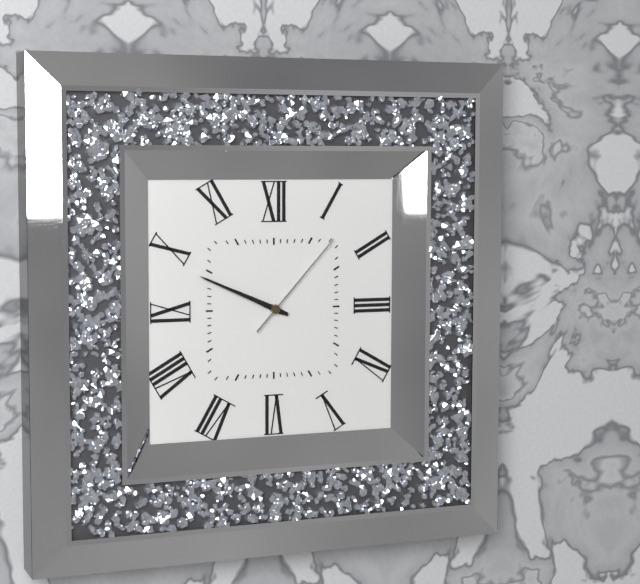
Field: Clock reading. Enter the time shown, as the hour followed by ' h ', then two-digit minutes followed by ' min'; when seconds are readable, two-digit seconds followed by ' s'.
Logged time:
9 h 49 min 07 s
